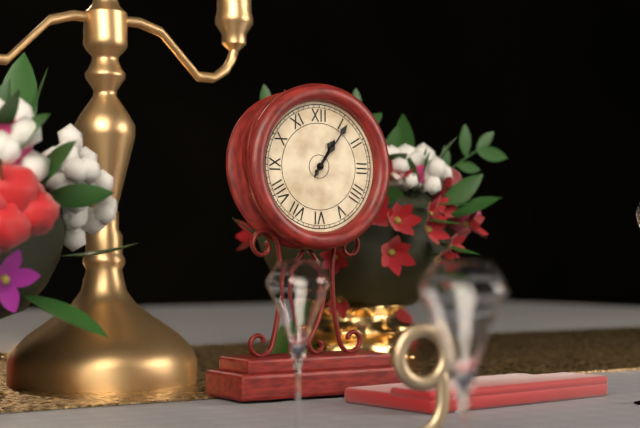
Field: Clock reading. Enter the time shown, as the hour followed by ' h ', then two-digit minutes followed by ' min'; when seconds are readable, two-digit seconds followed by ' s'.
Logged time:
1 h 06 min
